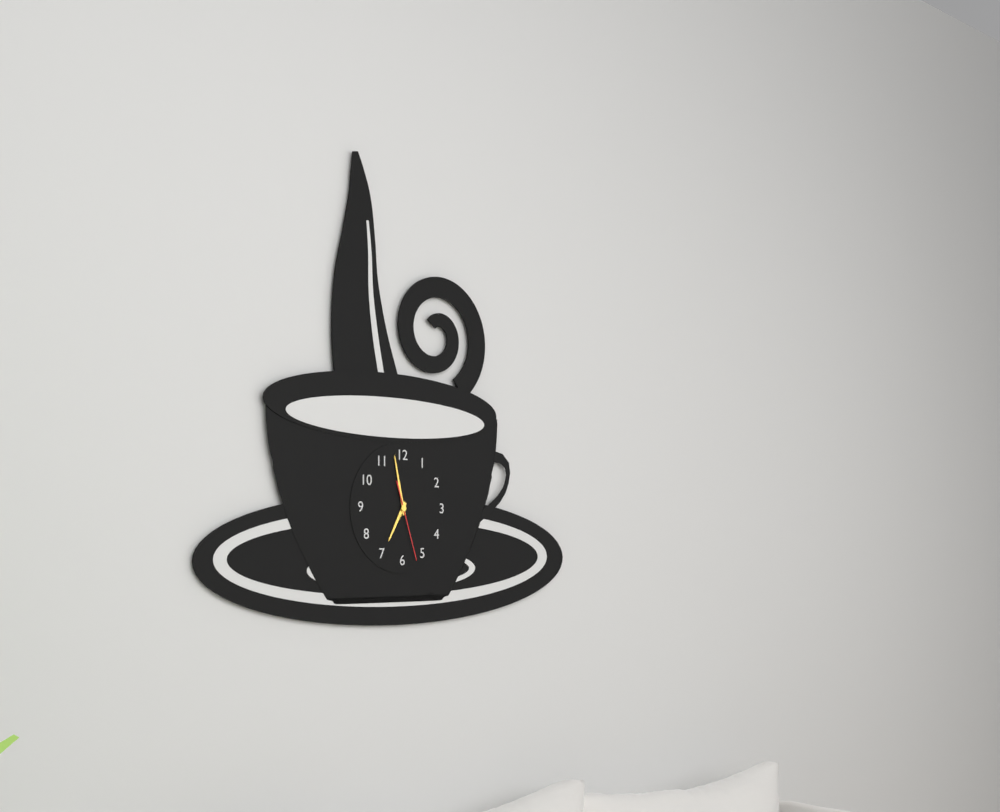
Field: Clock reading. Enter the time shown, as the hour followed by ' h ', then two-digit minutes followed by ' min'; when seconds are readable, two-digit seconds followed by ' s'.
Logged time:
6 h 58 min 27 s
